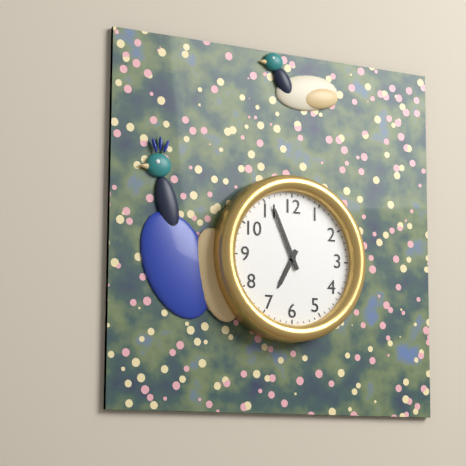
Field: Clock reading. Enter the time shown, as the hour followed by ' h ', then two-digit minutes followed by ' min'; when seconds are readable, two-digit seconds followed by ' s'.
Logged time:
6 h 56 min
